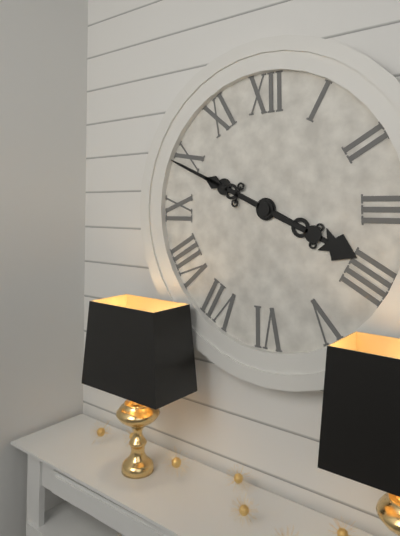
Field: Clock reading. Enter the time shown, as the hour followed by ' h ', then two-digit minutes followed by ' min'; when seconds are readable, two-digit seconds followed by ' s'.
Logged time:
3 h 49 min
